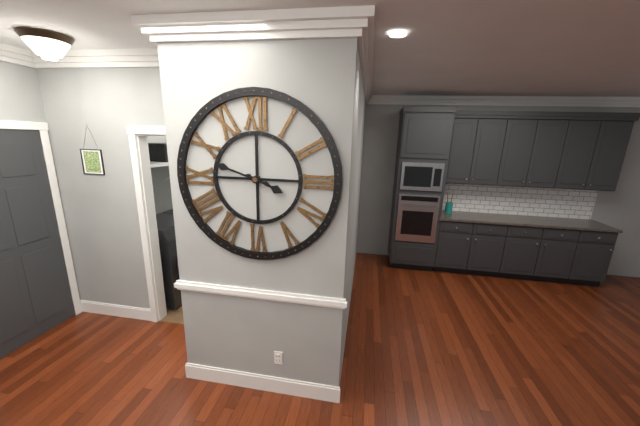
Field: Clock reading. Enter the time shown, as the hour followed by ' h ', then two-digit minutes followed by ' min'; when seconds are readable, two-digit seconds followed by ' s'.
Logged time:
3 h 48 min
